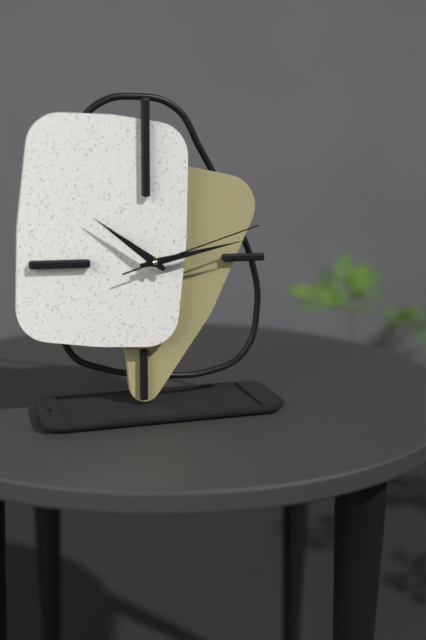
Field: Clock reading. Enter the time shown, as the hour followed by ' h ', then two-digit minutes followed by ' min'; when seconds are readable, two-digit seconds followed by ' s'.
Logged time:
10 h 13 min 12 s
